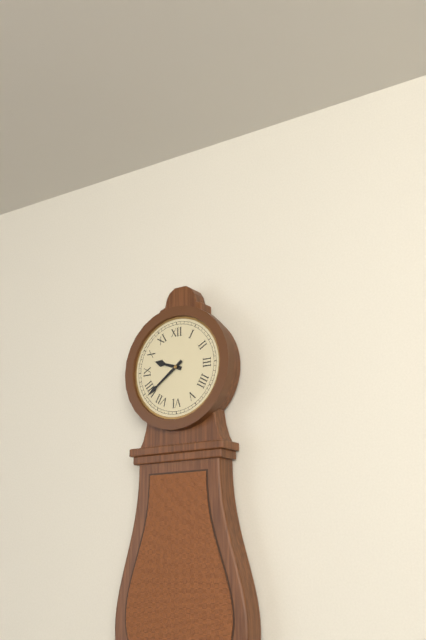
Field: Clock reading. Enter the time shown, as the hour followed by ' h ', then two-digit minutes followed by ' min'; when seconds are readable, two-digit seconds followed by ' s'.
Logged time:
9 h 39 min
